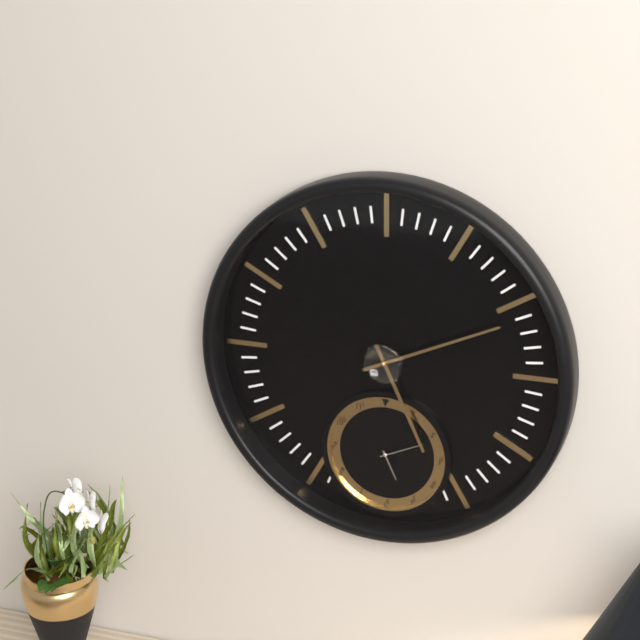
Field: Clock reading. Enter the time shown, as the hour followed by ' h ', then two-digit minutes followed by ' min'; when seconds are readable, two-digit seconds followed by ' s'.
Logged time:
5 h 11 min
